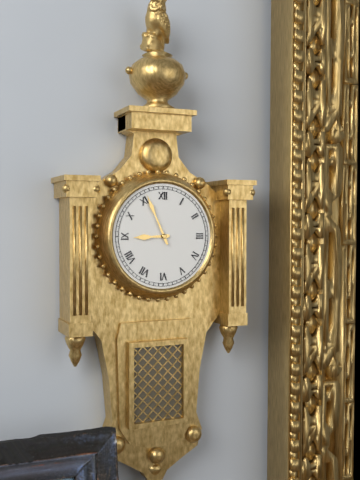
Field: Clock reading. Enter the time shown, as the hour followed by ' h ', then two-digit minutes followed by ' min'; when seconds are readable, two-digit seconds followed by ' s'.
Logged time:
8 h 56 min
